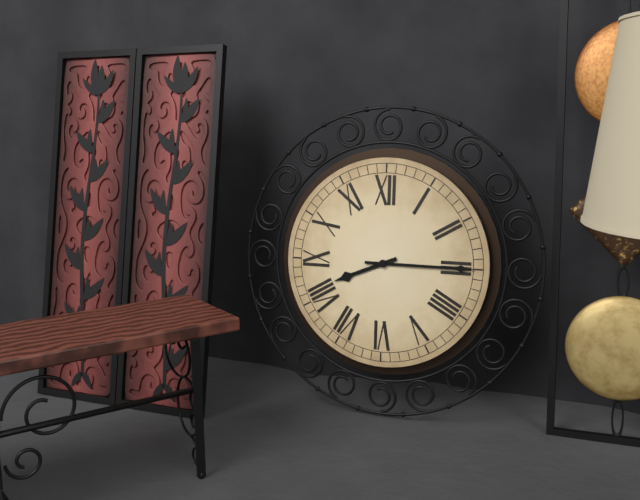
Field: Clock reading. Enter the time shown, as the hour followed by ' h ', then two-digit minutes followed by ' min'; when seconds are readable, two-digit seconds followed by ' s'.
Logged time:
8 h 15 min
